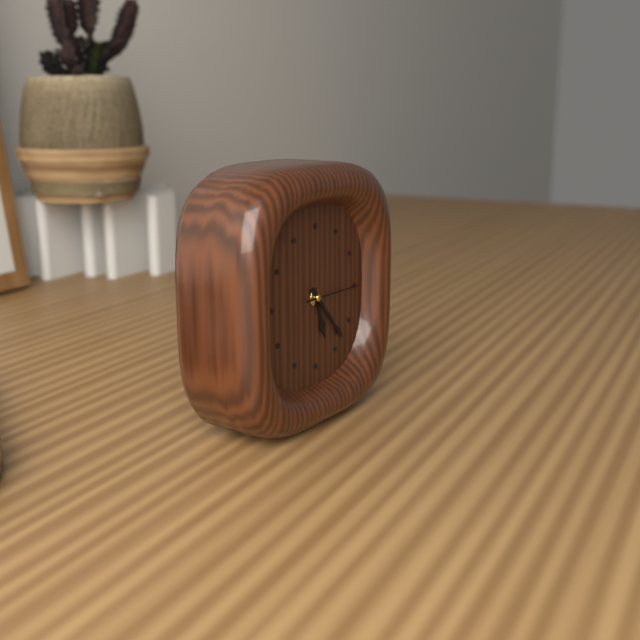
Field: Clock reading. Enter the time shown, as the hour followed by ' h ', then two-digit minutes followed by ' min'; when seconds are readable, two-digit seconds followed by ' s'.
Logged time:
5 h 23 min 15 s
